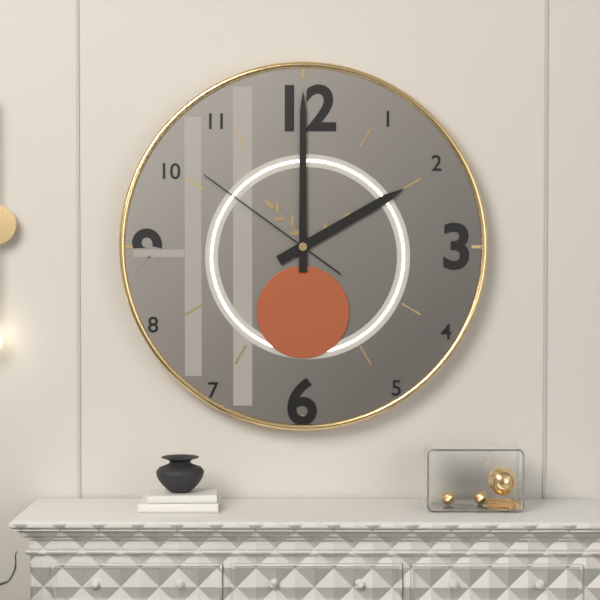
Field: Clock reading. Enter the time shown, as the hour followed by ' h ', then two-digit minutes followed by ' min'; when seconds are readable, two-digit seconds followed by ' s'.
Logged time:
2 h 00 min 51 s
